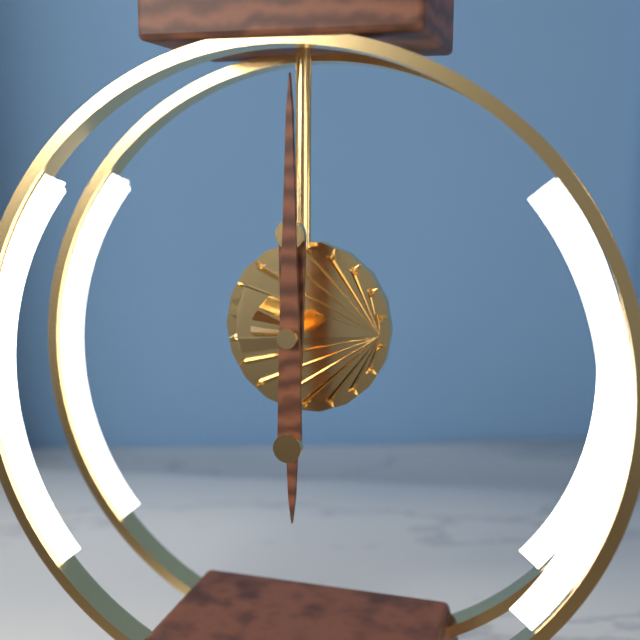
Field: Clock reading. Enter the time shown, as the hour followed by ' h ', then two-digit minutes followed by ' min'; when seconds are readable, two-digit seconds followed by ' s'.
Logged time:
6 h 00 min
